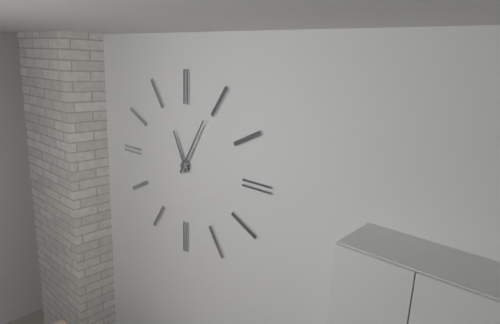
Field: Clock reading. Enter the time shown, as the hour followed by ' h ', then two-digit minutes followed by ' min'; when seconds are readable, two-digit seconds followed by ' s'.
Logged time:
11 h 05 min
